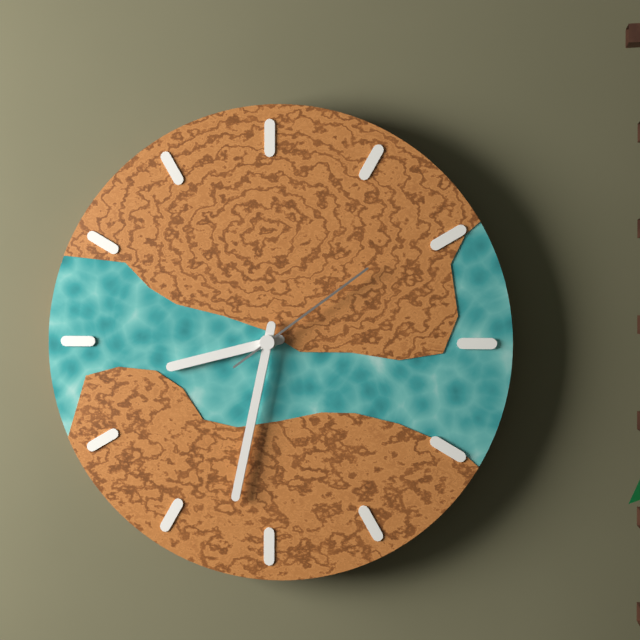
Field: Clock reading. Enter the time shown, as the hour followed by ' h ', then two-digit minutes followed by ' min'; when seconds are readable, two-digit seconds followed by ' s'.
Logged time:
8 h 32 min 09 s
